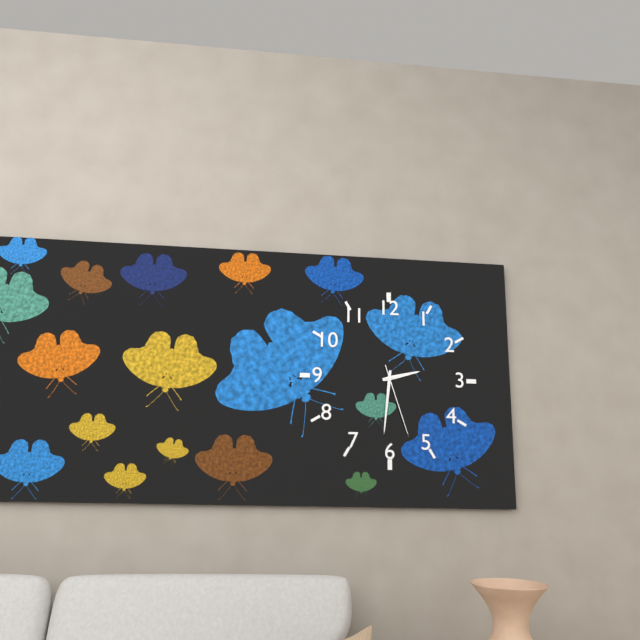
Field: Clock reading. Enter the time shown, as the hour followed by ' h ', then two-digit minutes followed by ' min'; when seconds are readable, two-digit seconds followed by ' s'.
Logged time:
2 h 31 min 27 s
